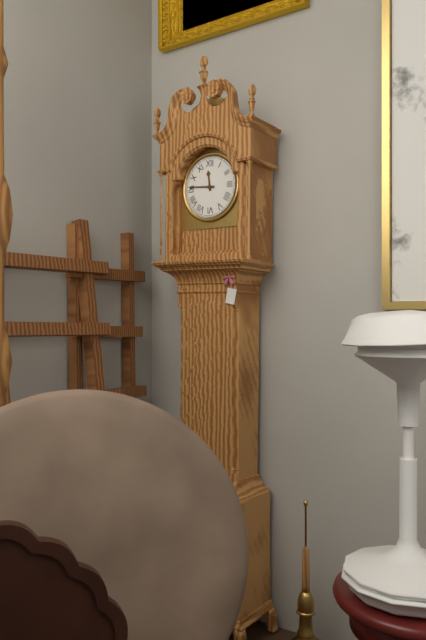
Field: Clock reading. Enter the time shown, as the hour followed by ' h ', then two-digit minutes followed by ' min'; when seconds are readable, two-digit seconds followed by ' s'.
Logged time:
11 h 46 min
